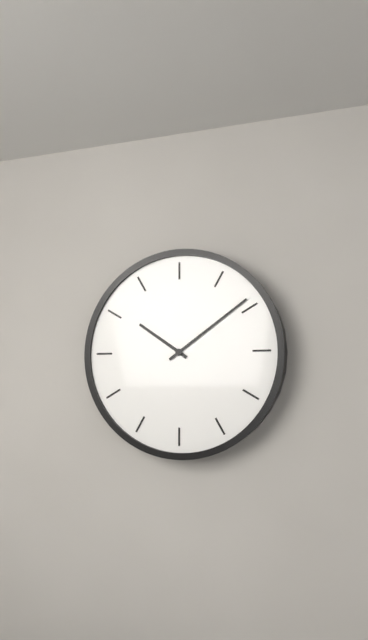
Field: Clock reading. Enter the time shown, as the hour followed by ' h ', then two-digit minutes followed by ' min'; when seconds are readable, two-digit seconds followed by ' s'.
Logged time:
10 h 09 min
